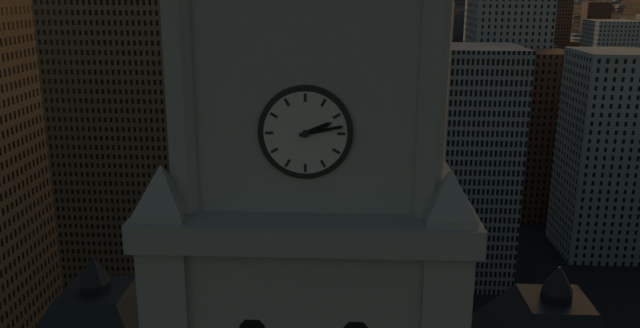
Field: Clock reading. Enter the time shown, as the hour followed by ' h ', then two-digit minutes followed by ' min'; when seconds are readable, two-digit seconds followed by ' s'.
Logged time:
2 h 13 min
